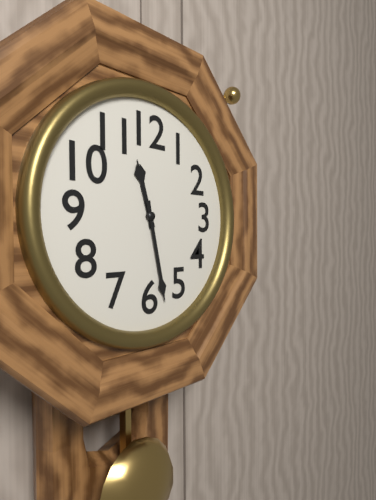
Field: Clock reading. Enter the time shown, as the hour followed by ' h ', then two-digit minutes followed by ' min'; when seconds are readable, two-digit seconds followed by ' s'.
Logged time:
11 h 28 min
